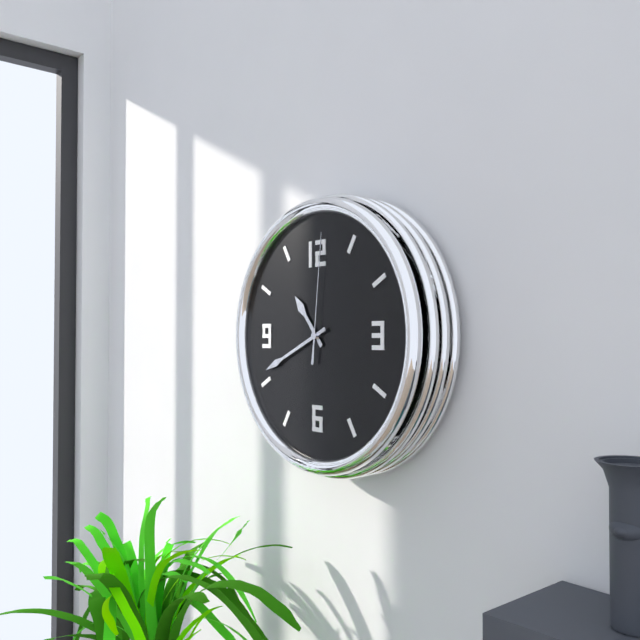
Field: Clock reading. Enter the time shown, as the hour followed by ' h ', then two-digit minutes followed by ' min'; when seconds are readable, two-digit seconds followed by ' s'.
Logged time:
10 h 41 min 01 s
